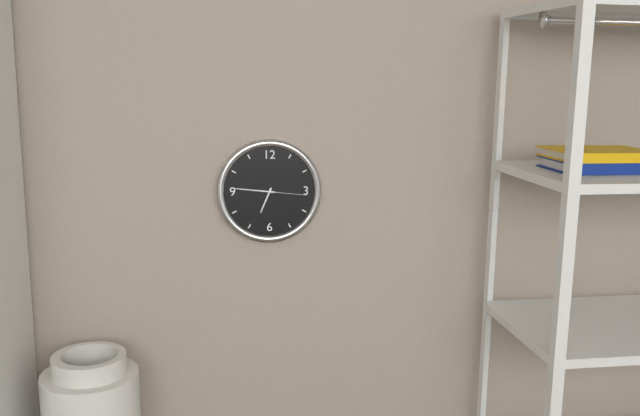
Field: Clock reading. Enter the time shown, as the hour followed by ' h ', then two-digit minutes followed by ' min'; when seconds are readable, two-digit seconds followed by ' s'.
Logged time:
6 h 46 min
